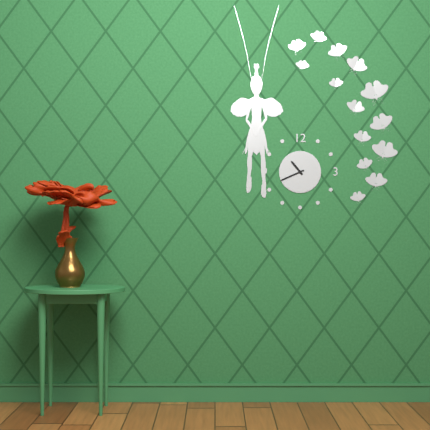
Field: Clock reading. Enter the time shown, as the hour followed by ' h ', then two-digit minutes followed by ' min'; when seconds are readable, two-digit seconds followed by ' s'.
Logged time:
10 h 41 min
